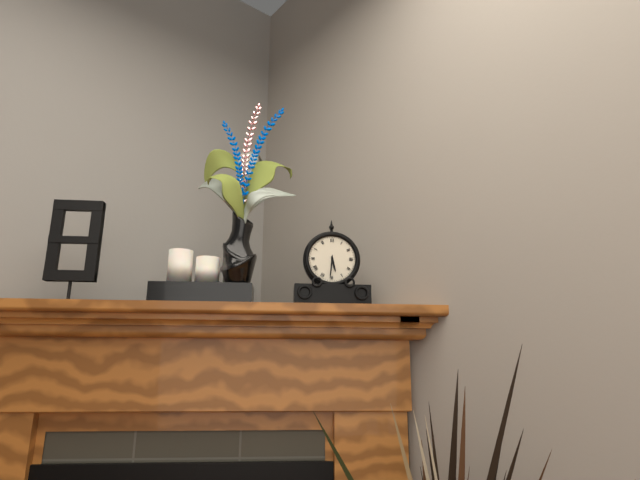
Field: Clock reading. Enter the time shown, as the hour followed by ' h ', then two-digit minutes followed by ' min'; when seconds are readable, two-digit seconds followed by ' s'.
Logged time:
5 h 31 min
